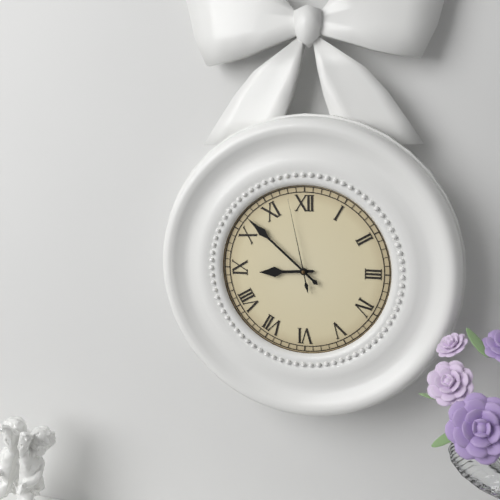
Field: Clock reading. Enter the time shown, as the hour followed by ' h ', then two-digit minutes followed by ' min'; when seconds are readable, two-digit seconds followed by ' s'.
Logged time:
8 h 52 min 58 s
